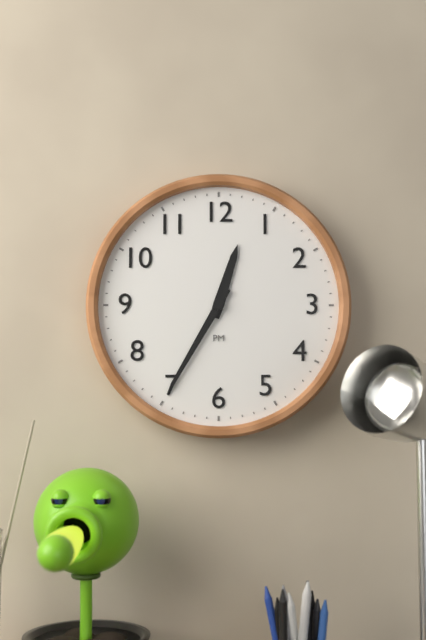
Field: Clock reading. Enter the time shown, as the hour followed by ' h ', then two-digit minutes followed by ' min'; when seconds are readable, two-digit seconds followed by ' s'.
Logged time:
12 h 35 min
